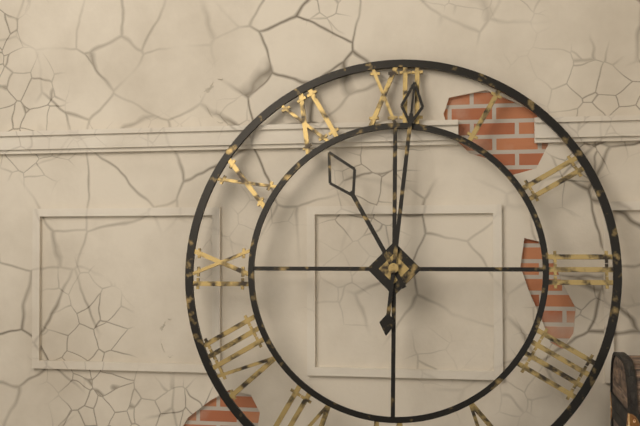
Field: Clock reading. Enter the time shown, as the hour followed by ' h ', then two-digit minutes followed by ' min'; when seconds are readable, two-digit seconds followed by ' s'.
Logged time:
11 h 01 min
